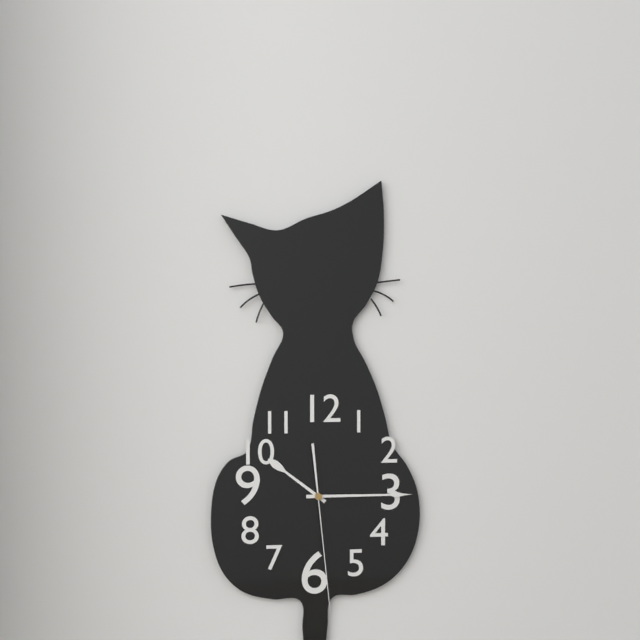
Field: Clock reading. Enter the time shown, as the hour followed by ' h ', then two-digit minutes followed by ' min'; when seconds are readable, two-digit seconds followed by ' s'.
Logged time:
10 h 15 min 29 s
